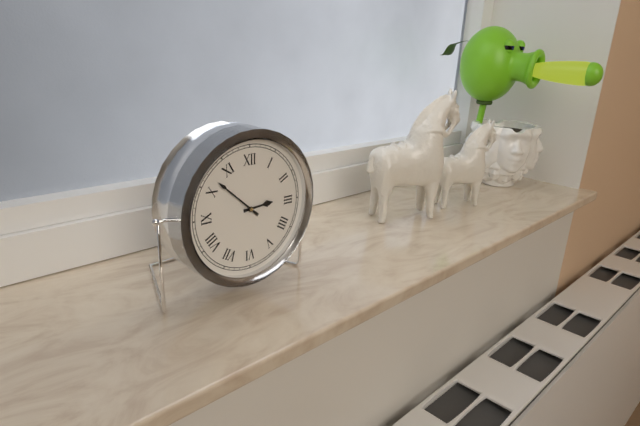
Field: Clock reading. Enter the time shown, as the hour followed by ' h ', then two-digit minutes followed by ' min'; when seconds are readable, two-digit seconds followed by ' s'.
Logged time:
2 h 52 min
